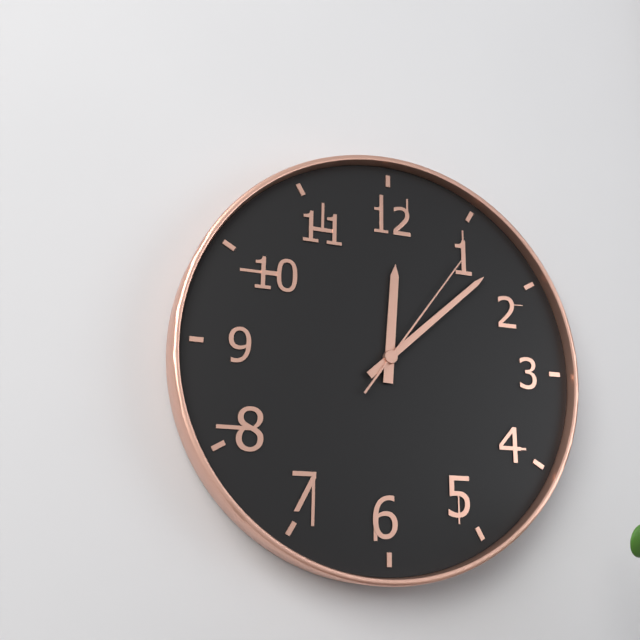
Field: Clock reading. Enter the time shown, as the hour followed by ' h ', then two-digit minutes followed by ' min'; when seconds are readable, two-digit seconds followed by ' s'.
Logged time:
12 h 08 min 06 s
